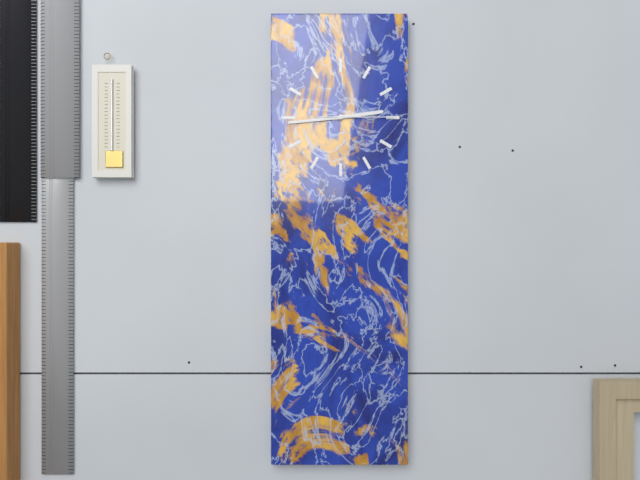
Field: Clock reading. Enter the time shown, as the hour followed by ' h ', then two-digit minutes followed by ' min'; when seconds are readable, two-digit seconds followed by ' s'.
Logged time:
2 h 44 min 15 s
